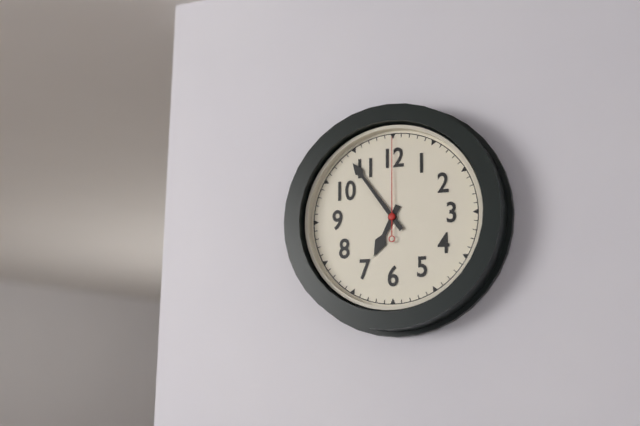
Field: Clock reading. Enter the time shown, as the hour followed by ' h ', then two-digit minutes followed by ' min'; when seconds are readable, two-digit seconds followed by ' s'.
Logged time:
6 h 54 min 00 s
